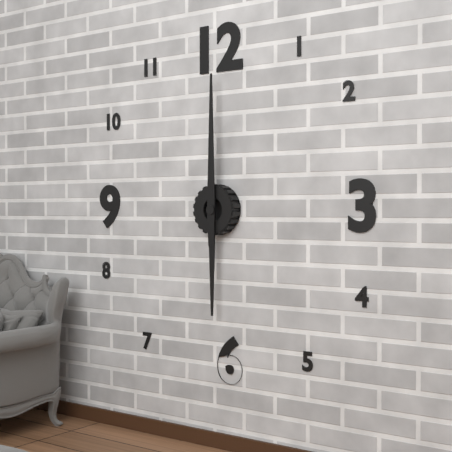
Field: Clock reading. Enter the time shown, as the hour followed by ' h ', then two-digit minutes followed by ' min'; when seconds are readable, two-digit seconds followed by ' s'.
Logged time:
6 h 00 min
